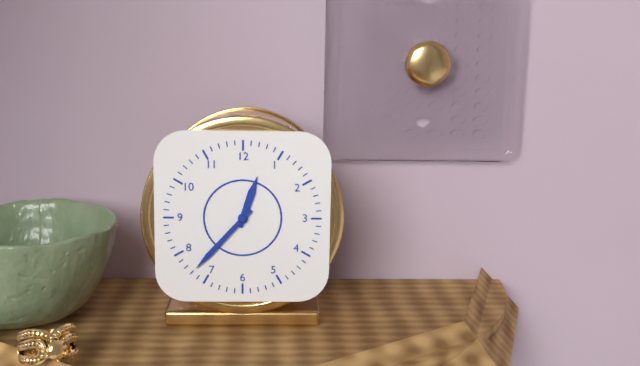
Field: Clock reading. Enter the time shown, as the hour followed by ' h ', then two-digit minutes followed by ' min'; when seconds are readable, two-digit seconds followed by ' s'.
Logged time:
12 h 37 min
